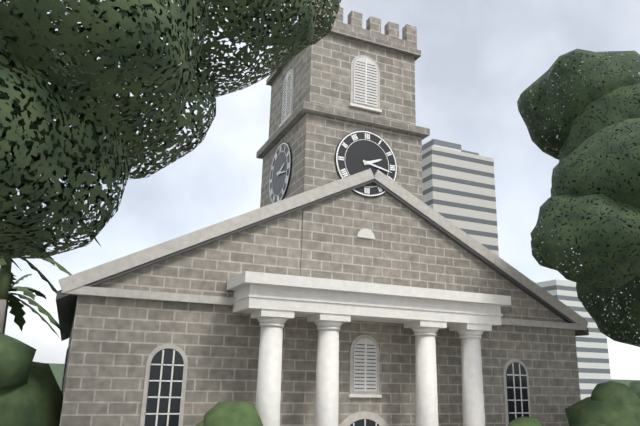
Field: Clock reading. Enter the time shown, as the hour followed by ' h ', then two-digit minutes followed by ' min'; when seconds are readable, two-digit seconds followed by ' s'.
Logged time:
2 h 17 min
